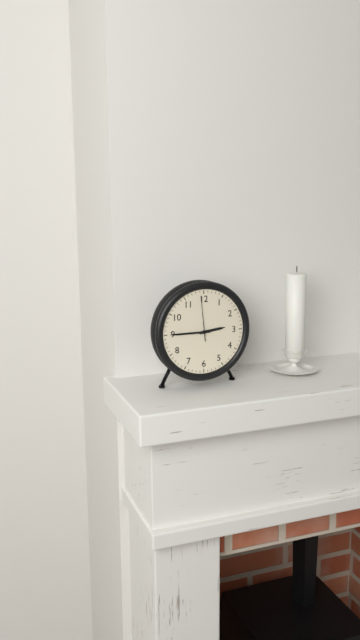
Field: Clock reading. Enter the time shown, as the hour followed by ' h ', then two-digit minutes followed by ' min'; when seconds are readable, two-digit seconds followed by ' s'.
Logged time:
2 h 45 min
